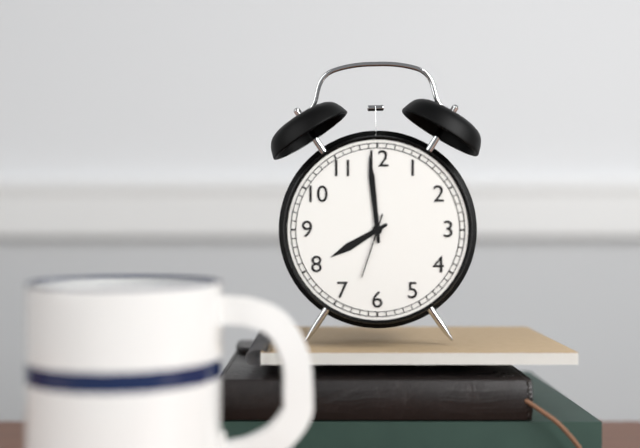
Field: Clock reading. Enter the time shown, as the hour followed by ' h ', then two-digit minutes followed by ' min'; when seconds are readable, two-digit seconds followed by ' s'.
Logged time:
7 h 59 min 33 s
